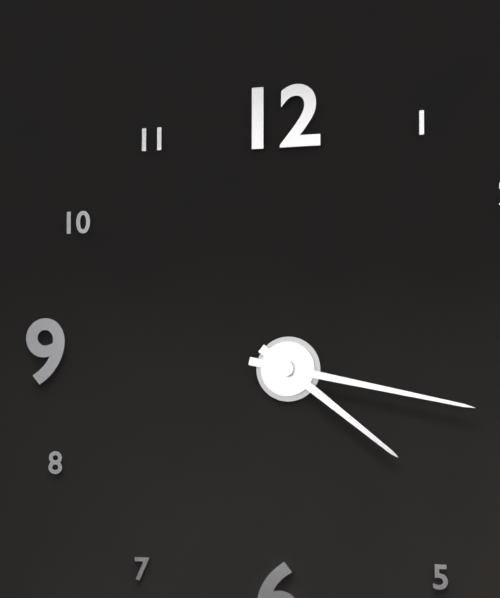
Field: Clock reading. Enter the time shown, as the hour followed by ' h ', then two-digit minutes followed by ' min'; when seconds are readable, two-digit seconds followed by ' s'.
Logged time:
4 h 17 min
